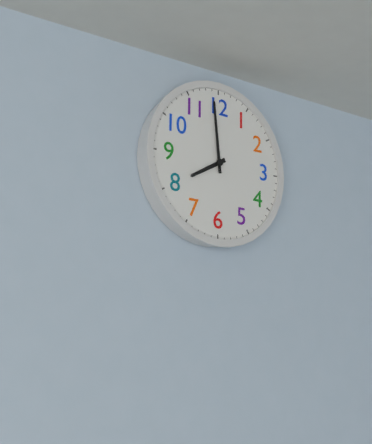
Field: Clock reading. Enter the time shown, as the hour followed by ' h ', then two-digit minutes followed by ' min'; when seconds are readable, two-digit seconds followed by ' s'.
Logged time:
7 h 59 min
